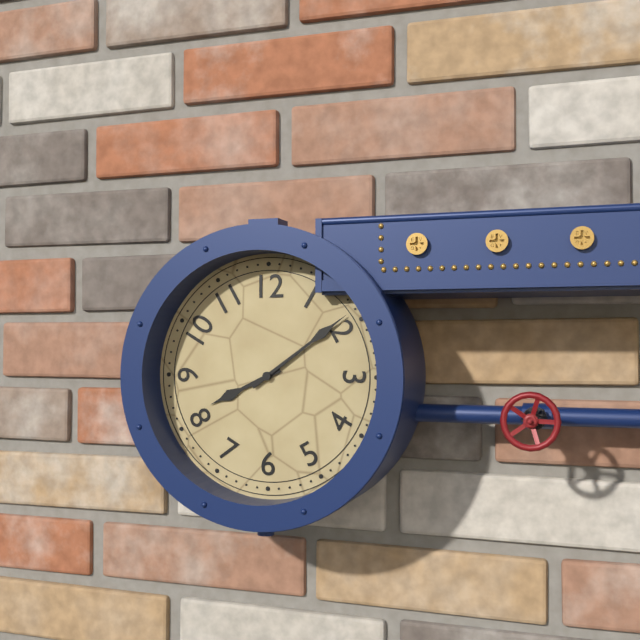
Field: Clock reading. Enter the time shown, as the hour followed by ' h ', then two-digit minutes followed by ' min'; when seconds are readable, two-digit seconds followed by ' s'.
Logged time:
8 h 09 min
